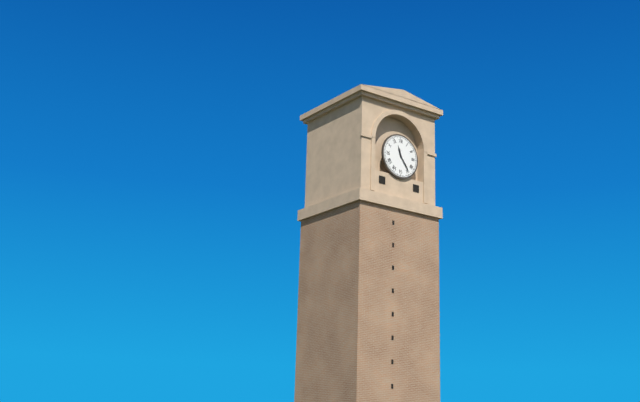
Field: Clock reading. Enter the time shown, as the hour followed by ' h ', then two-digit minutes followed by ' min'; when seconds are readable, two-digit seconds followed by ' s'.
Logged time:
11 h 24 min
